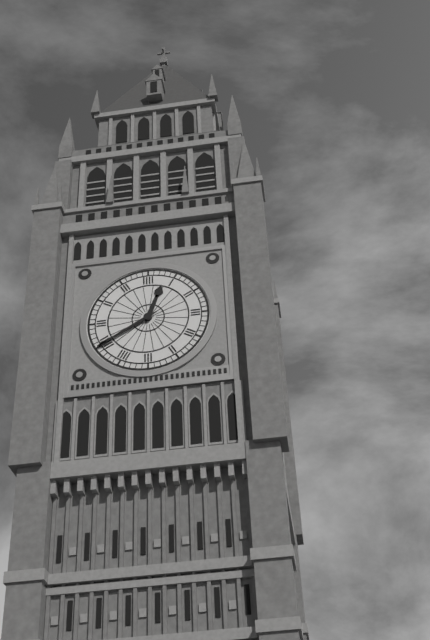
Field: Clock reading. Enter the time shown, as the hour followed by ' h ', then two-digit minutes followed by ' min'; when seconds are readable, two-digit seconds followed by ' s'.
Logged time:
12 h 40 min
